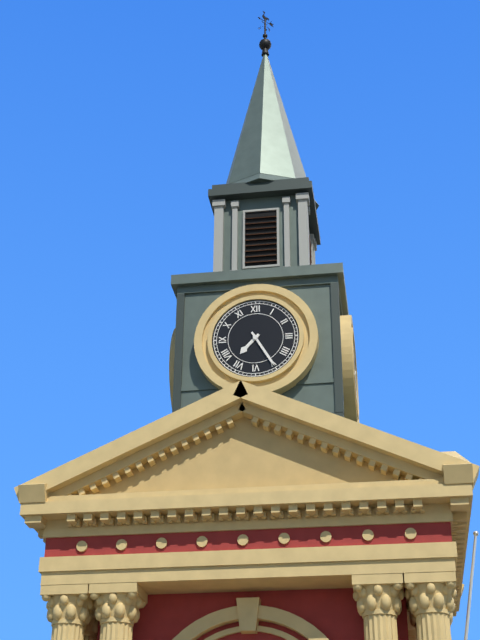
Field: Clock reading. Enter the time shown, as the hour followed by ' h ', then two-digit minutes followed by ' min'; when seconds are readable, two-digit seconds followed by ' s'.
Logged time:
7 h 25 min
